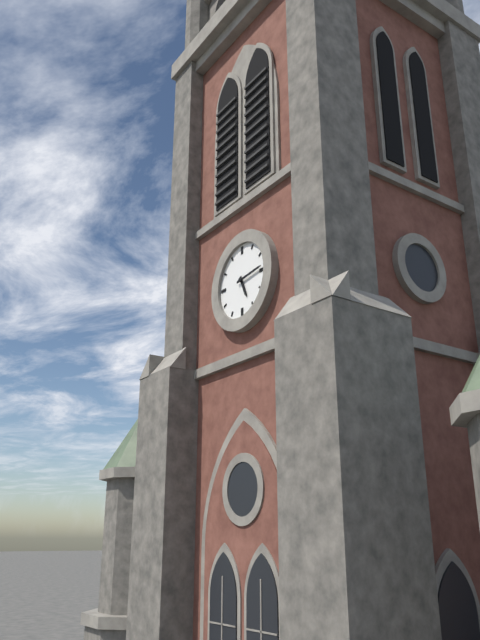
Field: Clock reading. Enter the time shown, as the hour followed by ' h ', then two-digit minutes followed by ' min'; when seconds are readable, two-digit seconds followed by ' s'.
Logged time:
5 h 14 min
